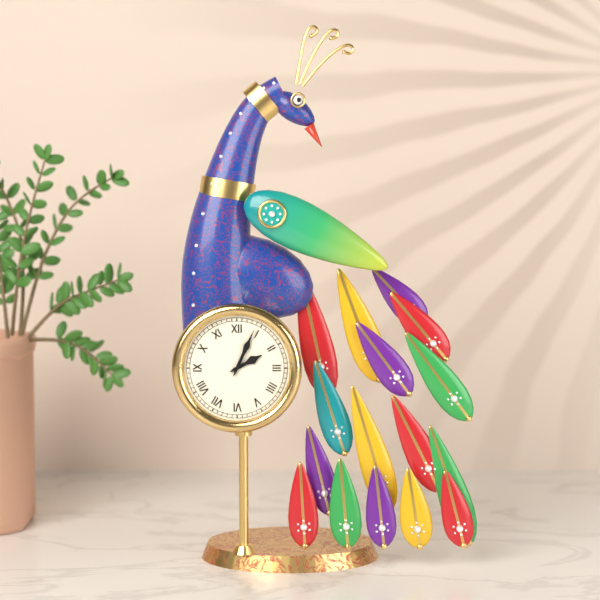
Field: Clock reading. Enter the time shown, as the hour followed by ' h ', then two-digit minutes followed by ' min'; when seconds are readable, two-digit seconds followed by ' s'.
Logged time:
2 h 04 min
